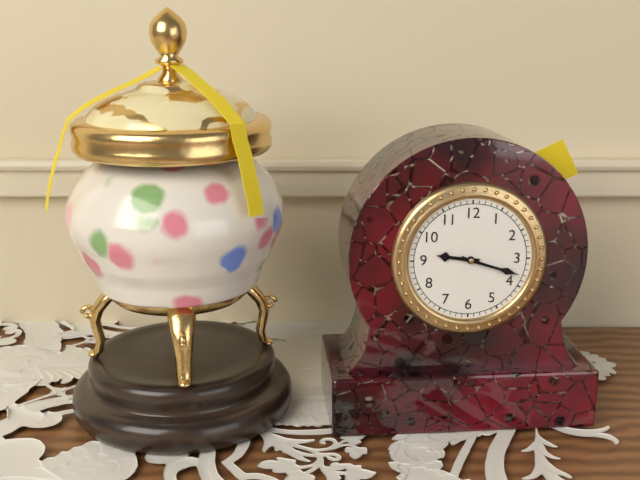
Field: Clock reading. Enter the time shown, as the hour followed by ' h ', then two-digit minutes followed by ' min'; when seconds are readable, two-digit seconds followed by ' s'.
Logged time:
9 h 18 min
